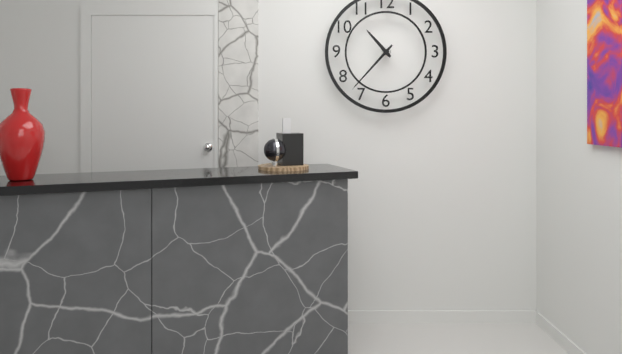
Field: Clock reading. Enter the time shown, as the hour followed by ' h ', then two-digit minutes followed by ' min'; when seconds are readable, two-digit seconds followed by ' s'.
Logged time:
10 h 37 min
